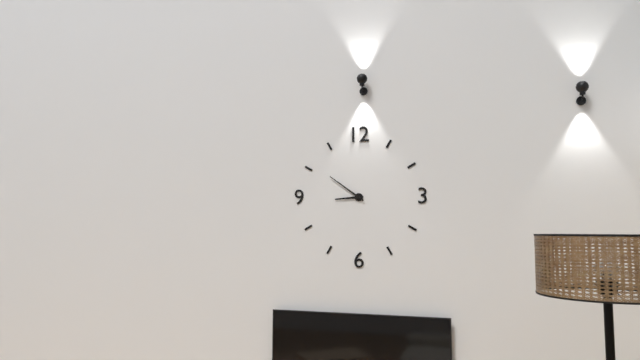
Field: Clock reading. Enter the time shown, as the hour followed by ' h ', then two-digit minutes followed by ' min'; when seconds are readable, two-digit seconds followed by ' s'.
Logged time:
8 h 51 min
